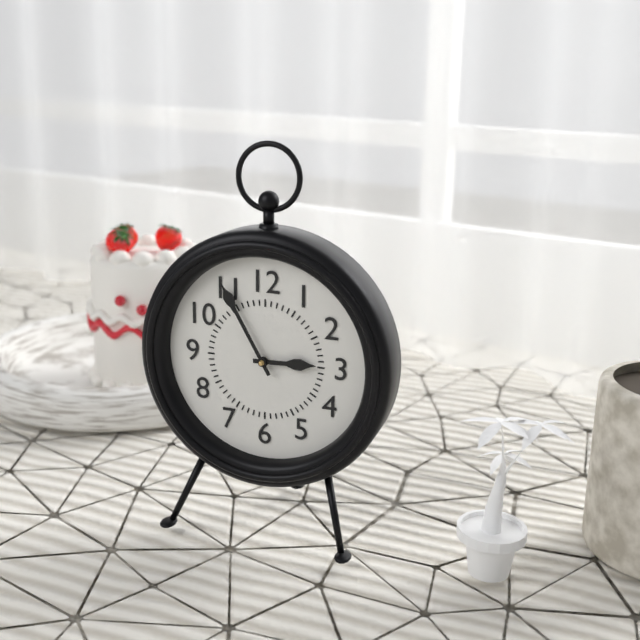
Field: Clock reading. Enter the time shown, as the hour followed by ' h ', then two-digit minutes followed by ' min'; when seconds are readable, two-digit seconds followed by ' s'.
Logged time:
2 h 55 min
